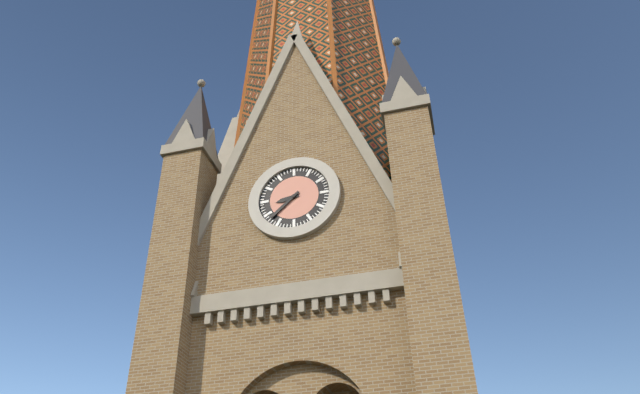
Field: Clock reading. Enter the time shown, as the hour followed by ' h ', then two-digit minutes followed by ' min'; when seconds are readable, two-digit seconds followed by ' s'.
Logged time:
8 h 38 min
